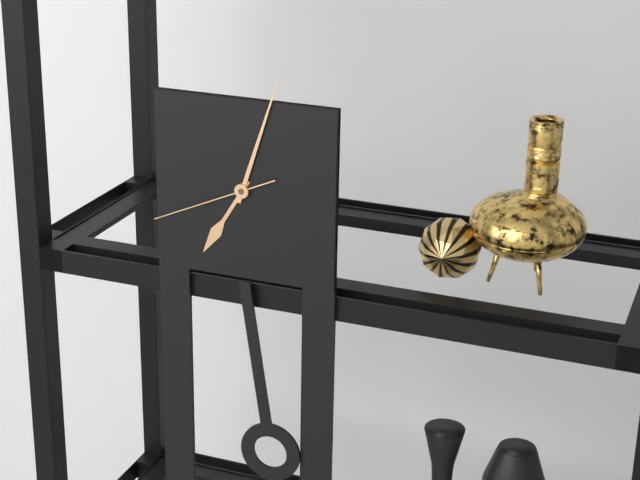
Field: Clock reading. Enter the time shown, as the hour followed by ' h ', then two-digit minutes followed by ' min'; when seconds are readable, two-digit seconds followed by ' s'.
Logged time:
7 h 03 min 41 s
